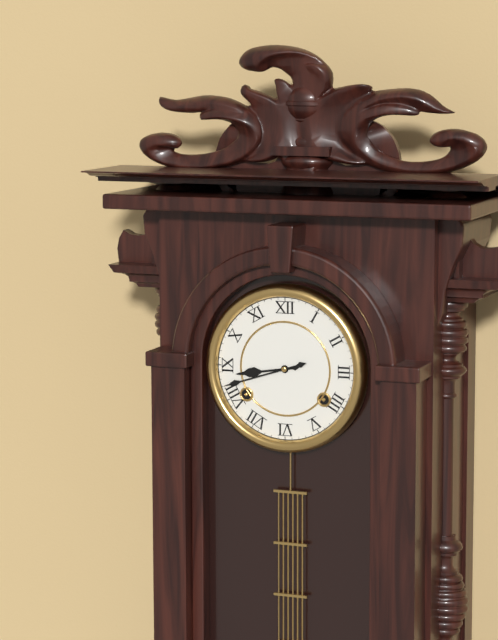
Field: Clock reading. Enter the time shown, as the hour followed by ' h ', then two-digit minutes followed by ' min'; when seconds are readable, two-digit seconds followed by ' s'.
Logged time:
8 h 42 min
